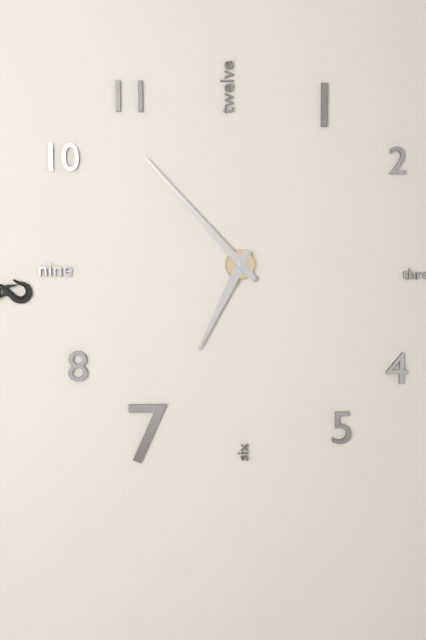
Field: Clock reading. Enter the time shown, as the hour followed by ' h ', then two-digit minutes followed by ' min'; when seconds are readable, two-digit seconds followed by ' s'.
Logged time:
6 h 53 min
